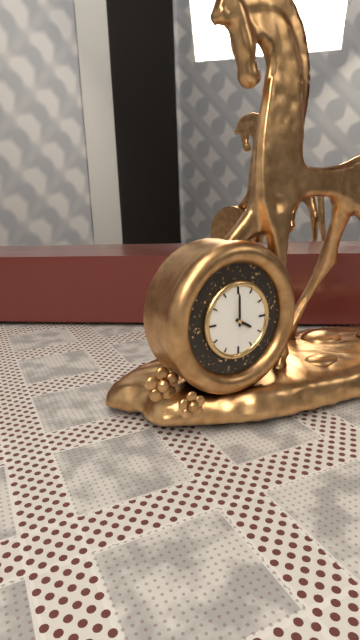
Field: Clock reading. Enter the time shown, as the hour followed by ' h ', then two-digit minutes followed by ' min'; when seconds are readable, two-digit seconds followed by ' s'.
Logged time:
4 h 00 min
